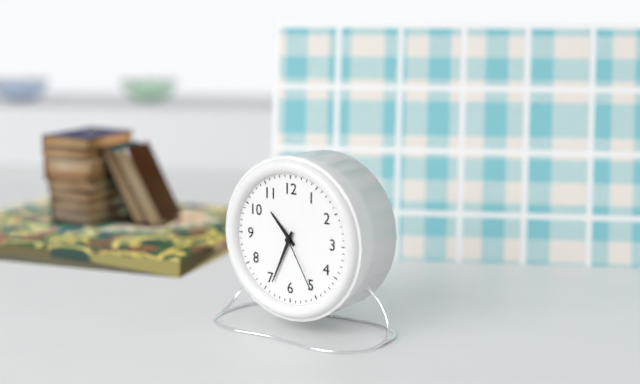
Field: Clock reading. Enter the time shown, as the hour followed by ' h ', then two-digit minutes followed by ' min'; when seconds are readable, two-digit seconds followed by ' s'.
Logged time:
10 h 34 min 25 s
